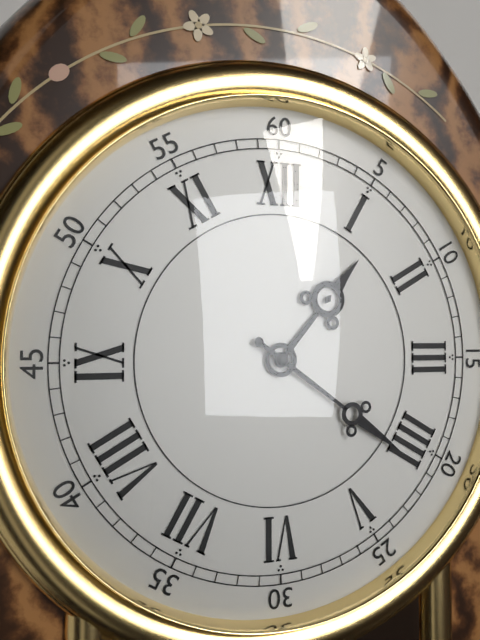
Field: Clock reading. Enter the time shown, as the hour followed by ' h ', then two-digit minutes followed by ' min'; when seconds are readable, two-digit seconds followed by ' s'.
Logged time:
1 h 21 min
